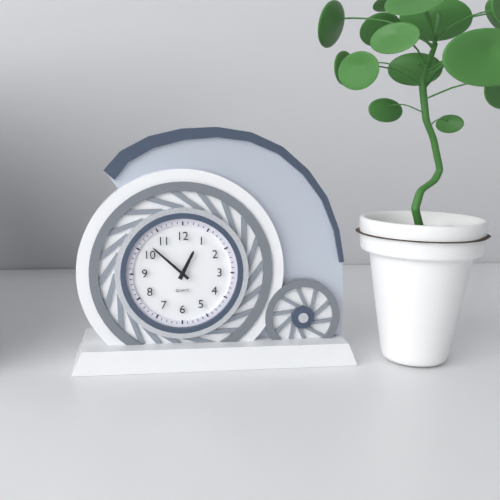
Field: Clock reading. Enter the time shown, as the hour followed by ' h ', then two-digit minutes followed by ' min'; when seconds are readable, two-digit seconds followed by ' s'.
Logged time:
12 h 52 min
